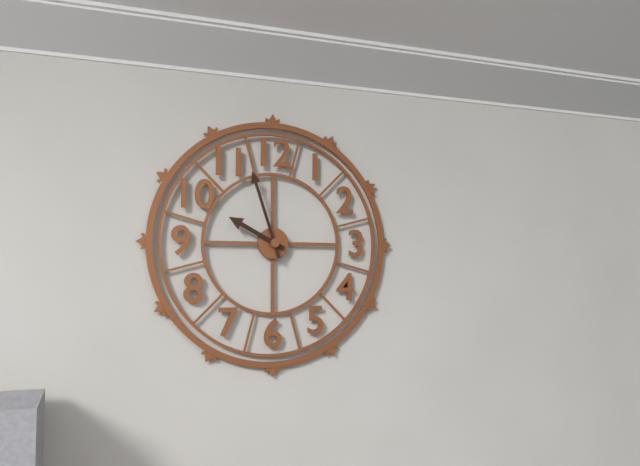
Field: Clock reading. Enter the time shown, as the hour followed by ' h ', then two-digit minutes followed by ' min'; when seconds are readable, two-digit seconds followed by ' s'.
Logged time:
9 h 57 min
